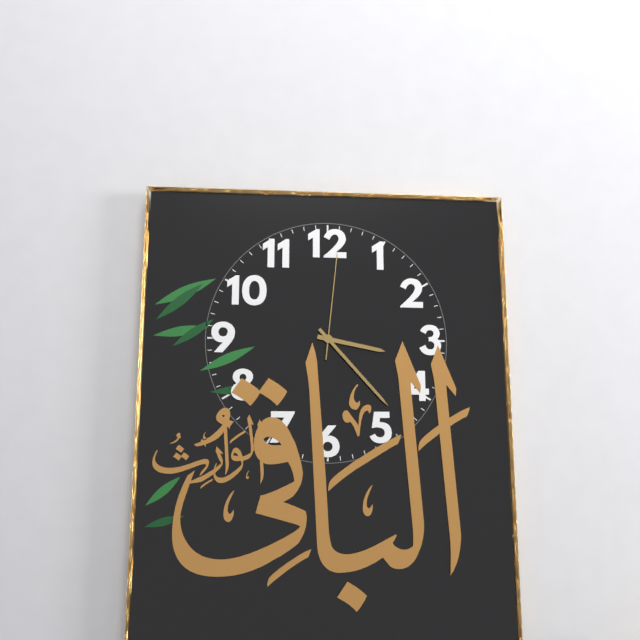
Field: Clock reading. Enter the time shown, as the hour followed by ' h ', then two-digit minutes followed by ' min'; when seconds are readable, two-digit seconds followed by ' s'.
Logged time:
3 h 23 min 01 s
